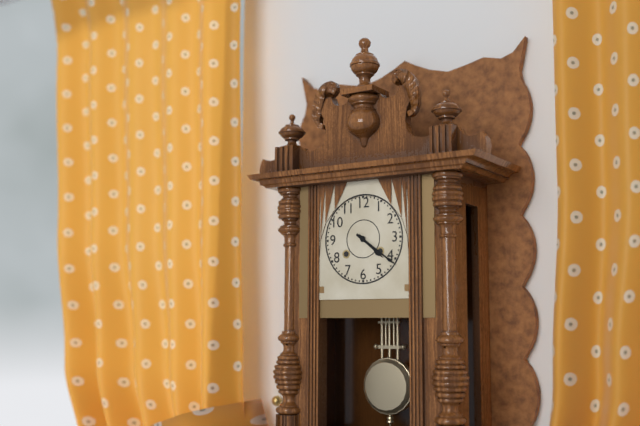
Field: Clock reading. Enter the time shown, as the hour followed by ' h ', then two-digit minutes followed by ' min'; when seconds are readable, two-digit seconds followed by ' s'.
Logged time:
4 h 21 min
